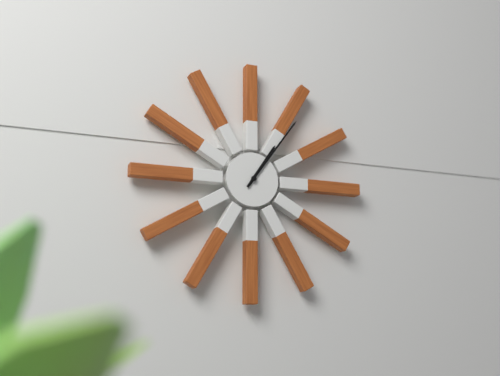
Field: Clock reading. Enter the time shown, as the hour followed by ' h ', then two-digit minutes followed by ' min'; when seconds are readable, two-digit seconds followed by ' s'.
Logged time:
1 h 06 min
